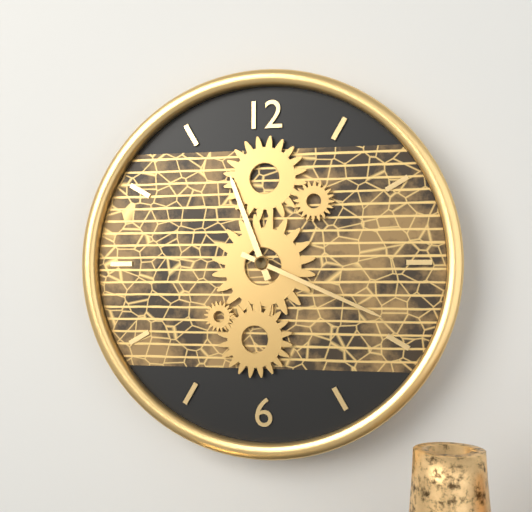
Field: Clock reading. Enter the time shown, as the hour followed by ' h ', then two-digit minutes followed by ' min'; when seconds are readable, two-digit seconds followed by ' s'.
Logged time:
11 h 19 min
